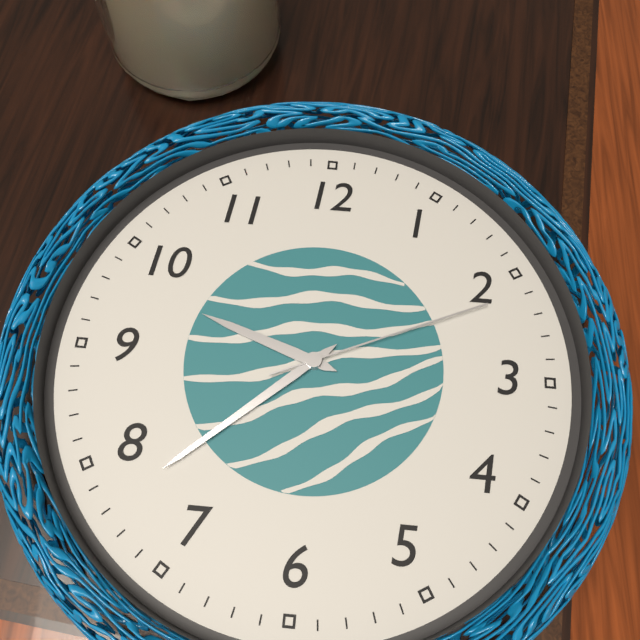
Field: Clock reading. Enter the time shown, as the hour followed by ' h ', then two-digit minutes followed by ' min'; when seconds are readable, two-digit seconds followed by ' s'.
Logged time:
9 h 38 min 11 s
